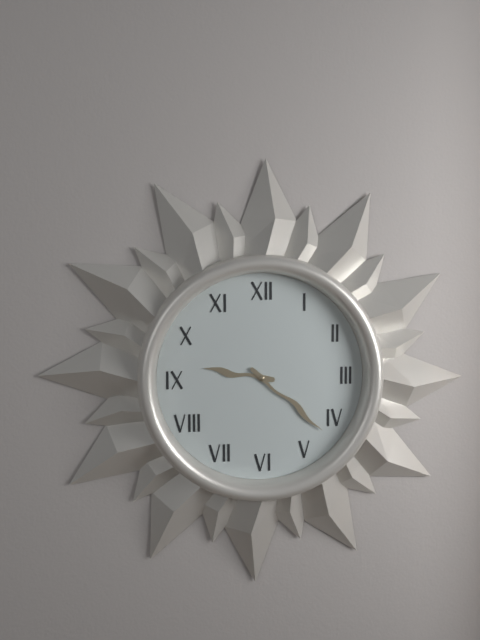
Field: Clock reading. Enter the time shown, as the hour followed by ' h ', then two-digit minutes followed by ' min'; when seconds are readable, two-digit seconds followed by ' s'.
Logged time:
9 h 22 min
